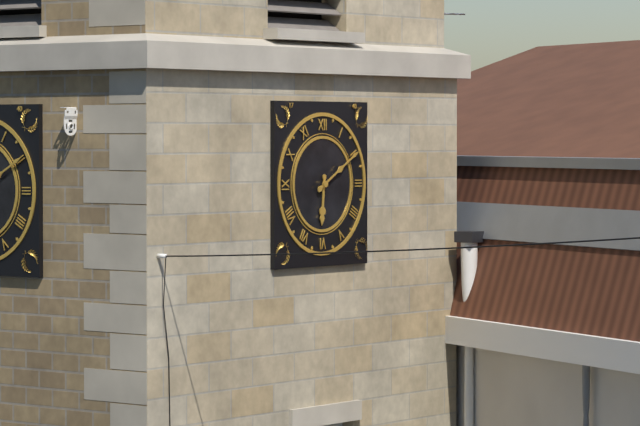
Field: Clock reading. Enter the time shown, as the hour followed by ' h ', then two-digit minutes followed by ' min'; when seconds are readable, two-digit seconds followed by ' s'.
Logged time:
6 h 10 min
